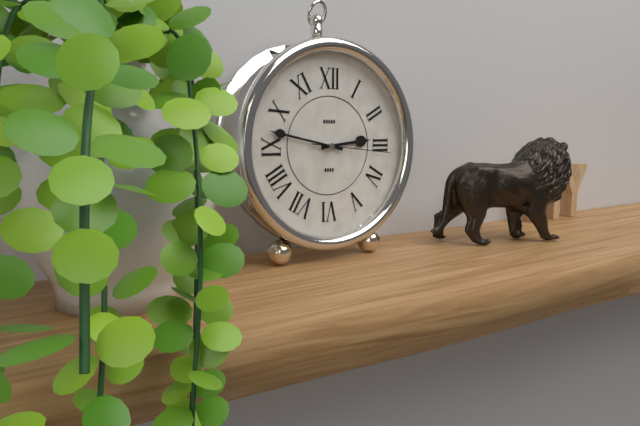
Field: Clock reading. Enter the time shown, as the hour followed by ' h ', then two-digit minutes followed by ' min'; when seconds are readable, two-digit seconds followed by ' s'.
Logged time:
2 h 47 min 16 s
